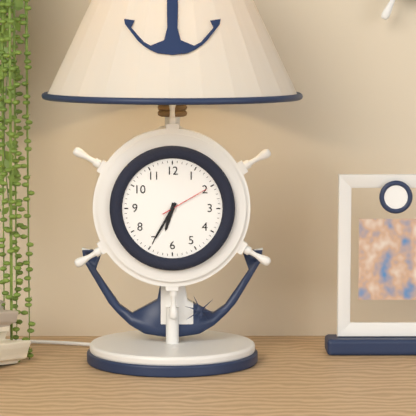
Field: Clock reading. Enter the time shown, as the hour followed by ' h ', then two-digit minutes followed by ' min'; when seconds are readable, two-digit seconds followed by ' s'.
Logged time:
6 h 35 min 10 s
